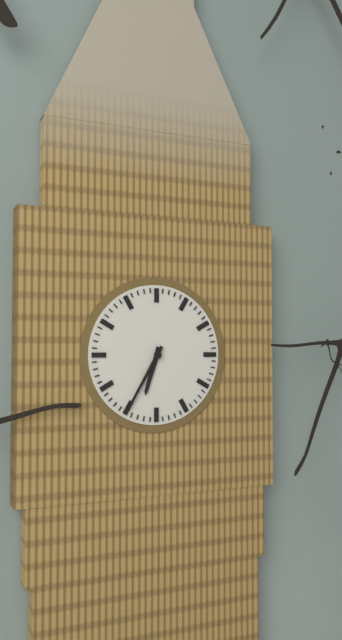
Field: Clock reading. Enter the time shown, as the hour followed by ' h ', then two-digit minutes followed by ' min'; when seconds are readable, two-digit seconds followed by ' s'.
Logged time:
6 h 35 min
